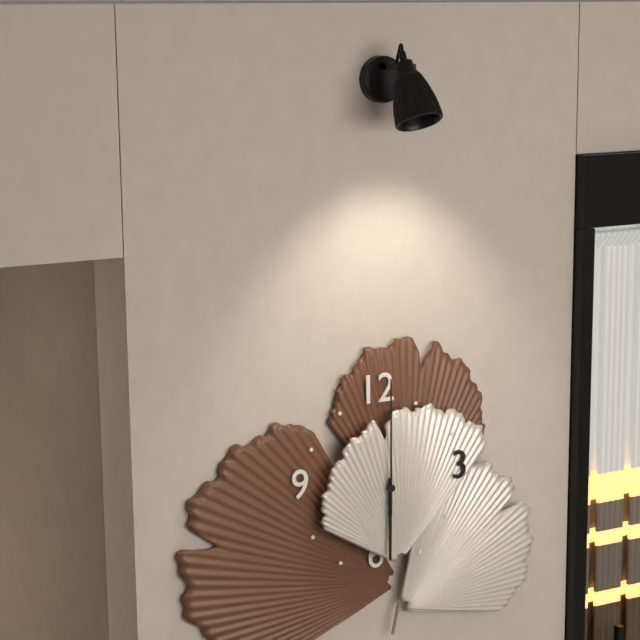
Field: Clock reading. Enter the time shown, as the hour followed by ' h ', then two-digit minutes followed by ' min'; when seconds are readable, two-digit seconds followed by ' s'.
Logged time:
6 h 00 min
